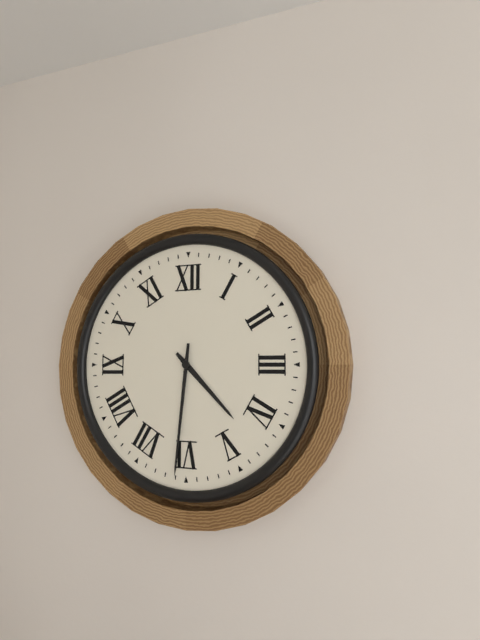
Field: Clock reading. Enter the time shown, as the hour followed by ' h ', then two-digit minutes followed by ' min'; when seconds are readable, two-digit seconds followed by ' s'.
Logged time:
4 h 31 min
